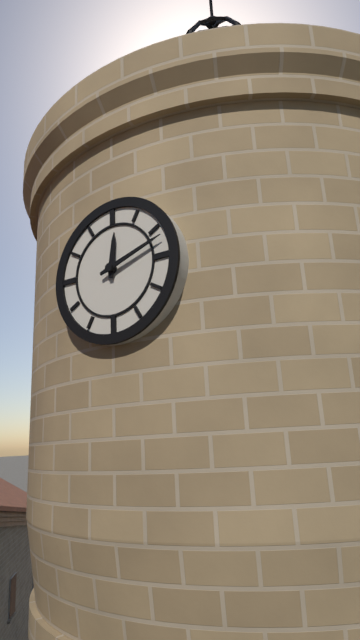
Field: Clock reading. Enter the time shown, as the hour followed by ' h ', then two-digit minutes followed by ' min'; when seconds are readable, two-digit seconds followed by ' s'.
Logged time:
12 h 12 min
